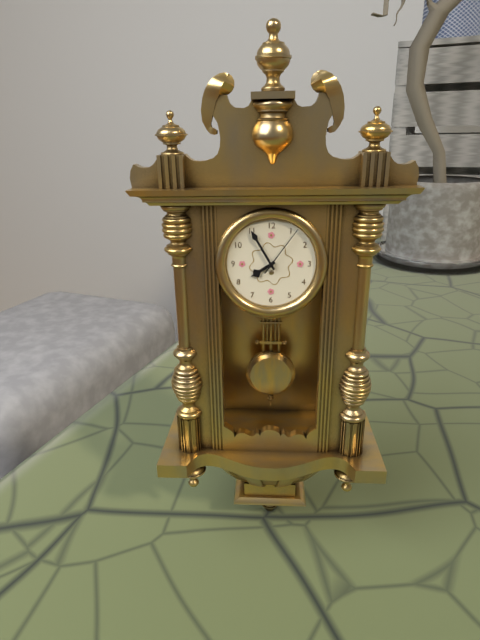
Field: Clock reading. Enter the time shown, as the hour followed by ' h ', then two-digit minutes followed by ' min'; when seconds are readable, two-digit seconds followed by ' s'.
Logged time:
7 h 55 min 06 s
